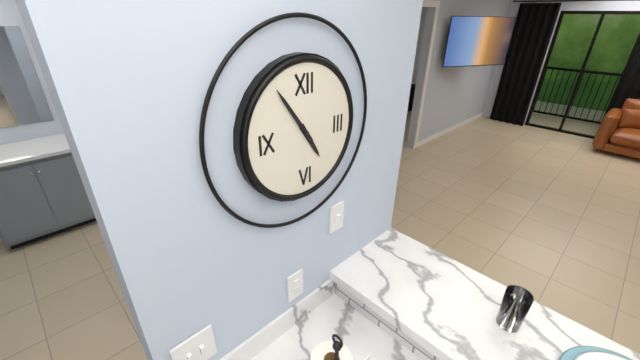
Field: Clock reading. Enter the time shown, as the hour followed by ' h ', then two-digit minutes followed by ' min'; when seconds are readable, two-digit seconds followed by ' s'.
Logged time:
4 h 54 min
